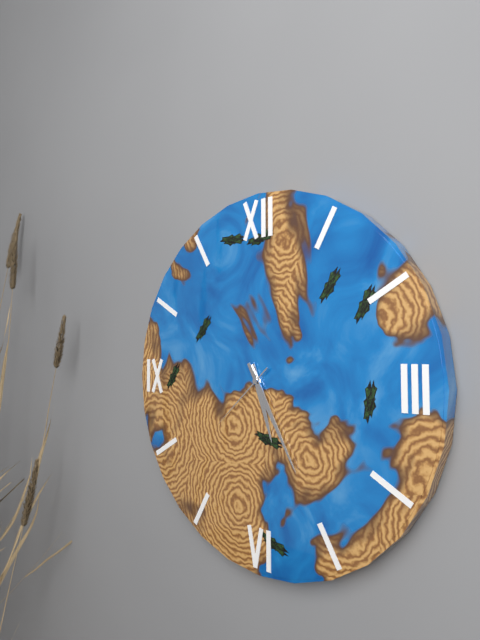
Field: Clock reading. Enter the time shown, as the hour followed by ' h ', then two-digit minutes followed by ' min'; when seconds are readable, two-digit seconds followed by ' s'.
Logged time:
5 h 25 min 38 s
